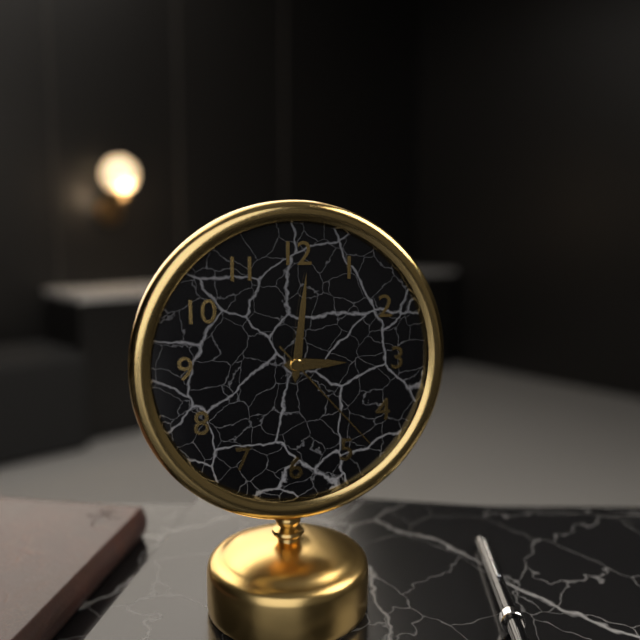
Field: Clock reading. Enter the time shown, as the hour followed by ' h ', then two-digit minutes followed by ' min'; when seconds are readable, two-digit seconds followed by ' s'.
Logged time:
3 h 01 min 23 s
